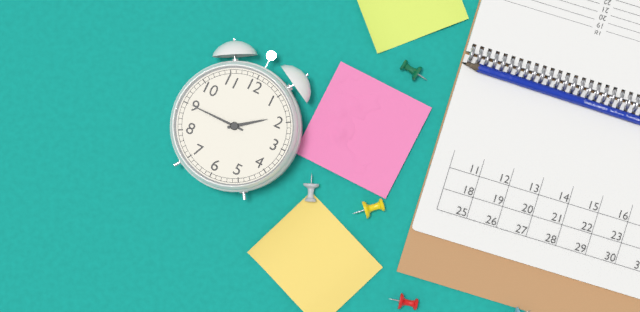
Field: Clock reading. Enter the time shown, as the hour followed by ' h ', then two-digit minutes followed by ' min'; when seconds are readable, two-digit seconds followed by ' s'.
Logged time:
1 h 45 min
